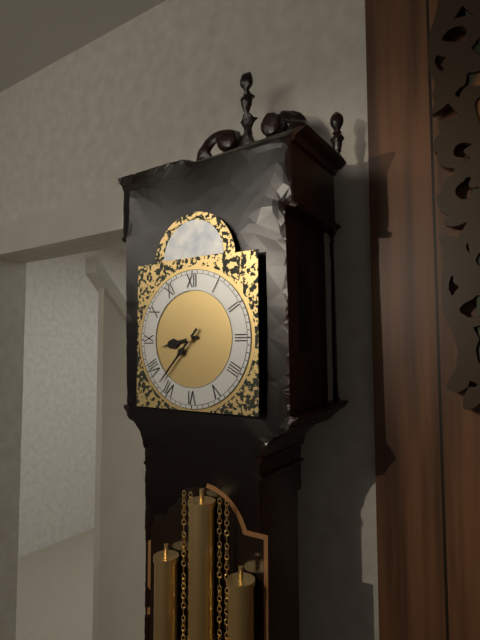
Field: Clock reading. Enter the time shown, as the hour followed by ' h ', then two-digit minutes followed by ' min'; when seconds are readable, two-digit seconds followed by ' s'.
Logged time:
8 h 37 min
